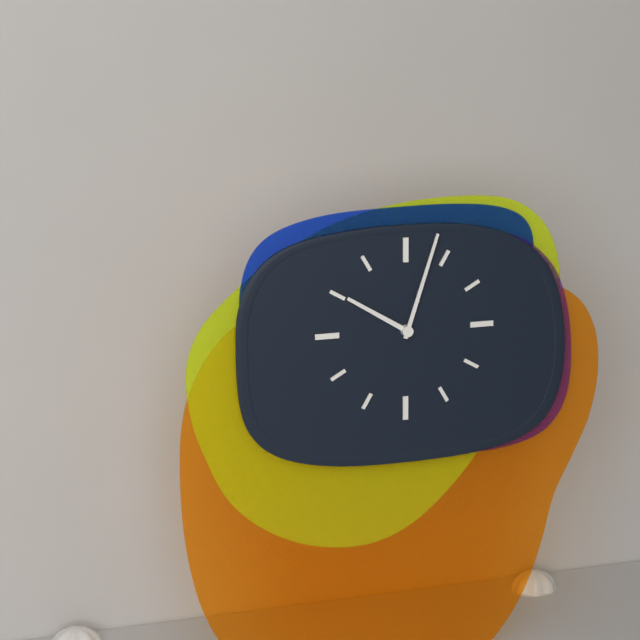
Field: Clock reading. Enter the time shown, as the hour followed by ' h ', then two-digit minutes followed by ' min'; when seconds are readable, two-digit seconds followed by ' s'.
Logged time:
10 h 03 min
